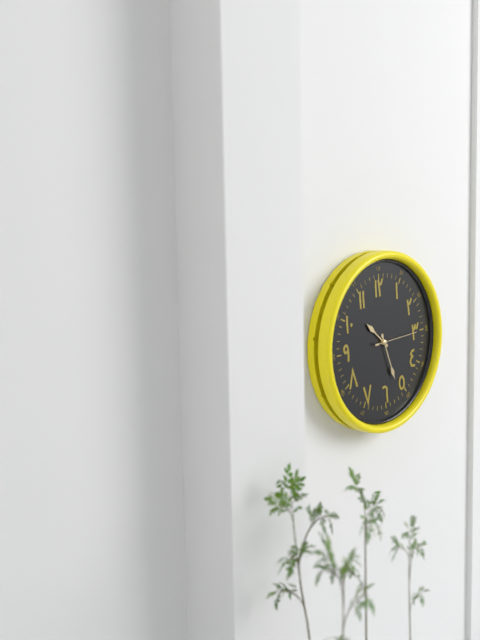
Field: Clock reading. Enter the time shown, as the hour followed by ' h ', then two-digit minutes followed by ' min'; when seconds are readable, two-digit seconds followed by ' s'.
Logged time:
10 h 27 min 15 s
